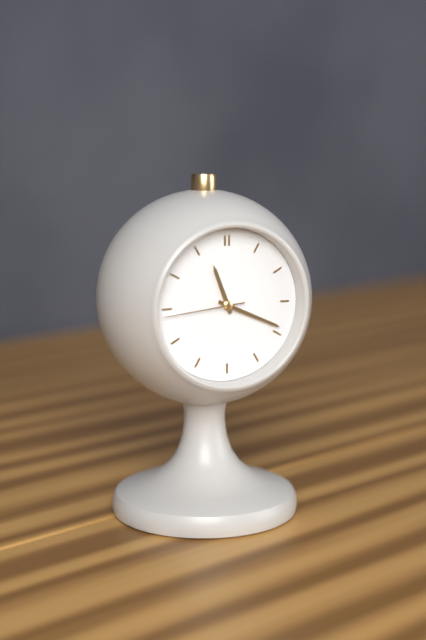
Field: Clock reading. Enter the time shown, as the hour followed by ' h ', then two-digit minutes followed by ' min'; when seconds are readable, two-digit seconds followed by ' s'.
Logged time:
11 h 19 min 44 s
